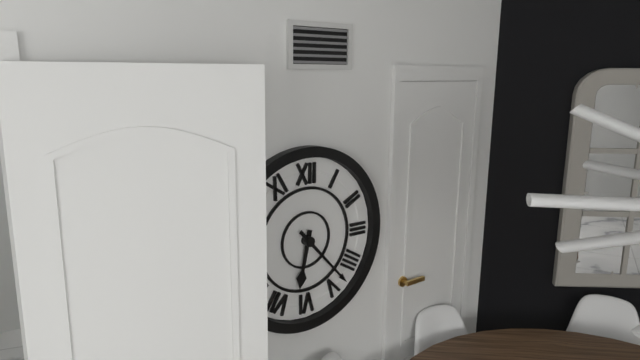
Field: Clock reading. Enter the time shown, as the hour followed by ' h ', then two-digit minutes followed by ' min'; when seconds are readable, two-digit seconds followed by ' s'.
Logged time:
6 h 23 min
